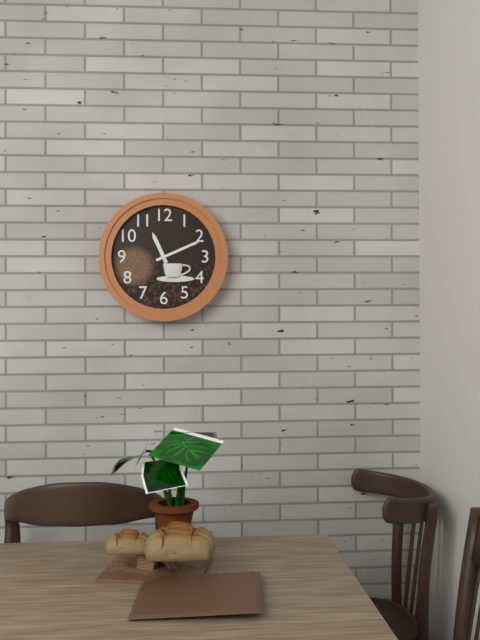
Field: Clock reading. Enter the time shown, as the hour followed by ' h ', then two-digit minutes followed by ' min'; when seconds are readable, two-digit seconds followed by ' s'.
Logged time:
11 h 11 min
